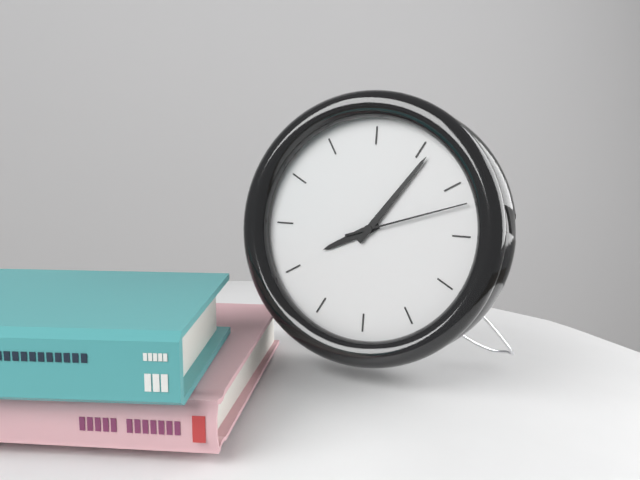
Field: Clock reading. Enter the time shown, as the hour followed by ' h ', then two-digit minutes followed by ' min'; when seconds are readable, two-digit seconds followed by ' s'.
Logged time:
8 h 06 min 12 s
